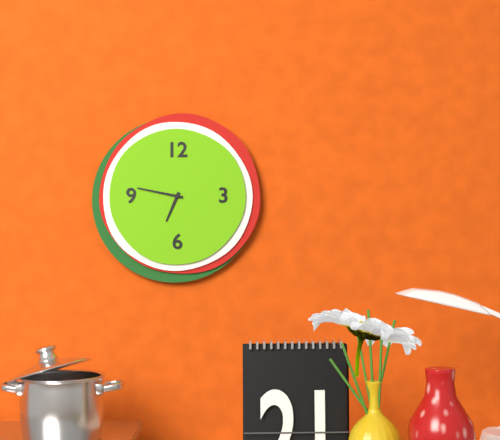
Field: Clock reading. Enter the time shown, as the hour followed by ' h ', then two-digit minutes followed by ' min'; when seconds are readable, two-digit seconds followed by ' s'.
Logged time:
6 h 47 min
